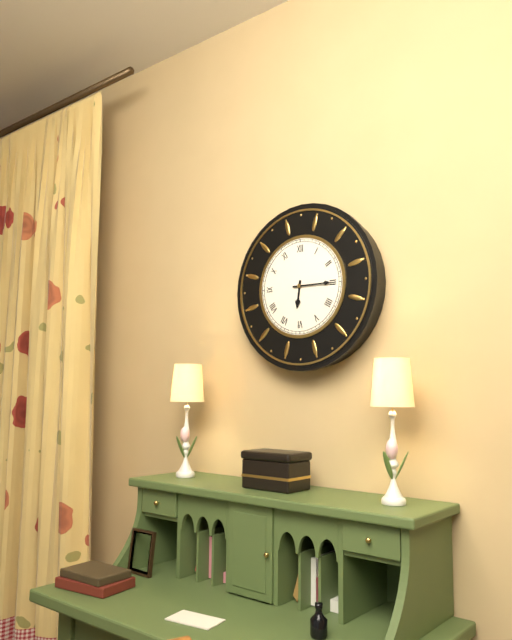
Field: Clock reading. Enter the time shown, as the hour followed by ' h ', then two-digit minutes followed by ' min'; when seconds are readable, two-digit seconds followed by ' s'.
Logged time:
6 h 15 min
